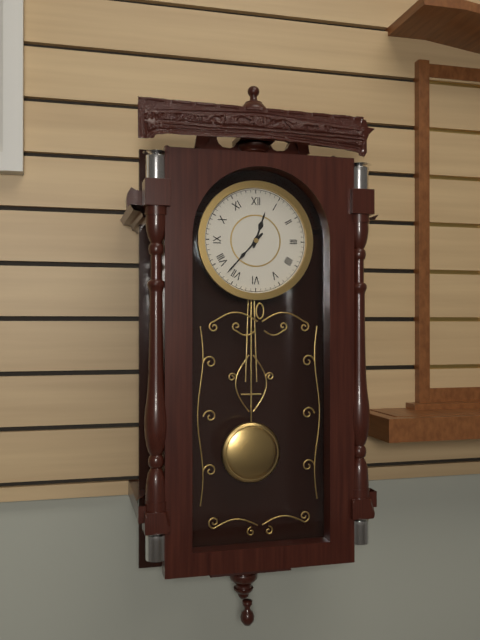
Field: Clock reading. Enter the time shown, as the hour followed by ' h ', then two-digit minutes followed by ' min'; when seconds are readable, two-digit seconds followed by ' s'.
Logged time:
12 h 37 min
